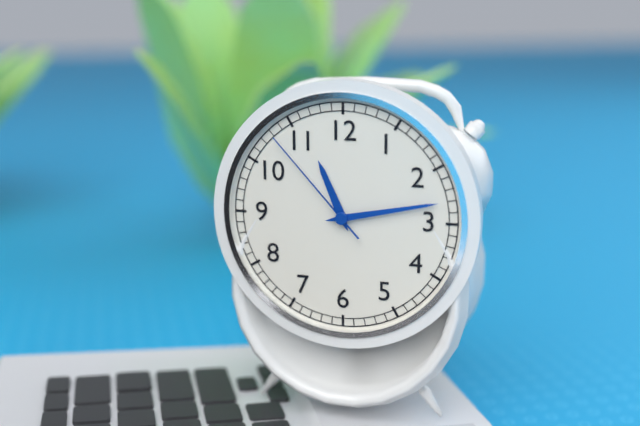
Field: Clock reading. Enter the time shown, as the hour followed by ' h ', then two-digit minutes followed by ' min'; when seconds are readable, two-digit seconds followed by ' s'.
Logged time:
11 h 13 min 53 s
